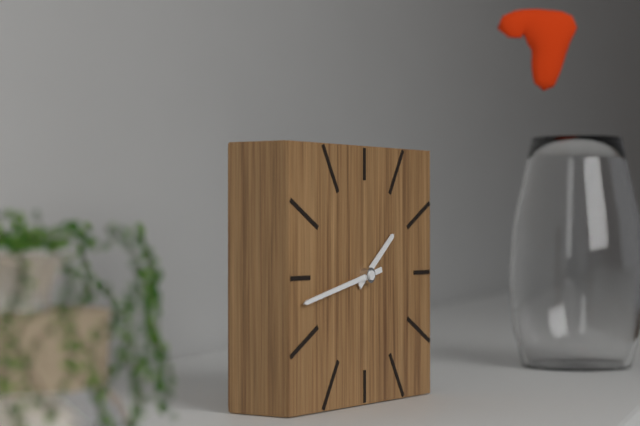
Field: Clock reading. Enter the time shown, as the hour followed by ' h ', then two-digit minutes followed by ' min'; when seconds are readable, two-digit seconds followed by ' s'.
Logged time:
1 h 43 min
